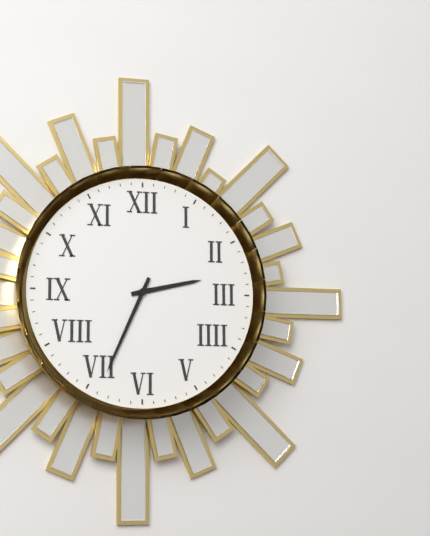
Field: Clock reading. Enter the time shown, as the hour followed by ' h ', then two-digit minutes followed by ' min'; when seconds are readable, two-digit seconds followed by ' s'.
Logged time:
2 h 34 min
